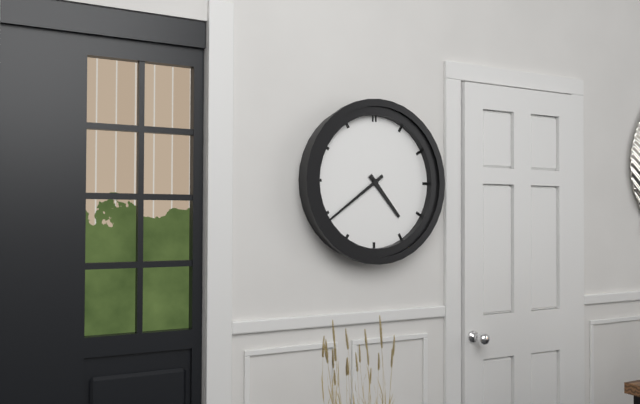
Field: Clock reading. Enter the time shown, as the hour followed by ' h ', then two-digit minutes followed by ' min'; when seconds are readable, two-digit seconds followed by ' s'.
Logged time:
4 h 39 min
